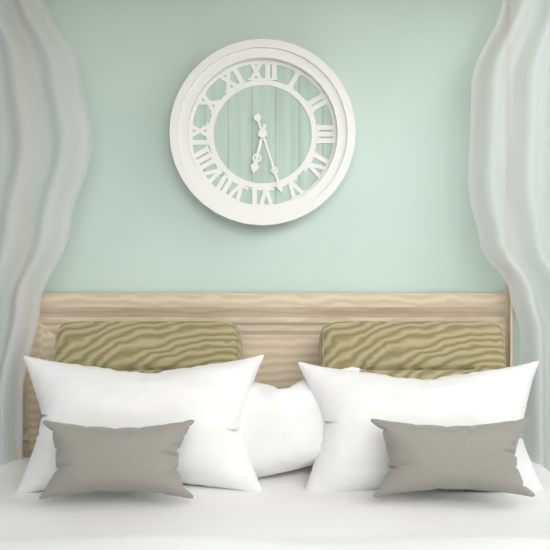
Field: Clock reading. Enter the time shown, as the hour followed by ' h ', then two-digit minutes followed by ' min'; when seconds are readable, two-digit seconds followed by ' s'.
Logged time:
6 h 27 min
